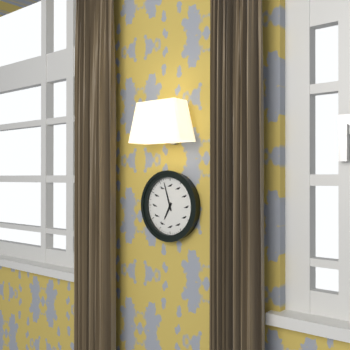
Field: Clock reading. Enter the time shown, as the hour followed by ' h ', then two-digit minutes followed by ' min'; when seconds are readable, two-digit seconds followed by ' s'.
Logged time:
6 h 57 min
